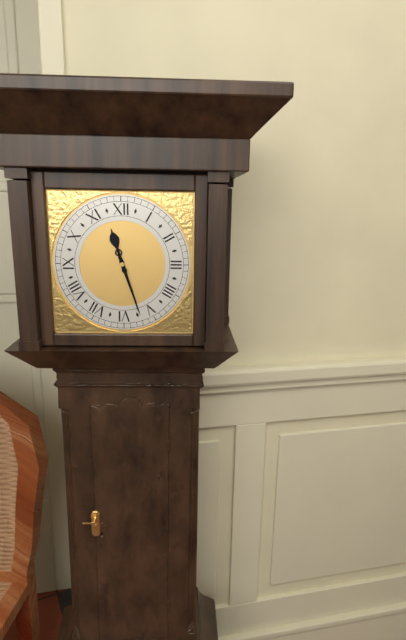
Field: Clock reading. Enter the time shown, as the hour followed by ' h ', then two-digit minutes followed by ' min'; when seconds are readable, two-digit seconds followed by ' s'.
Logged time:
11 h 27 min
